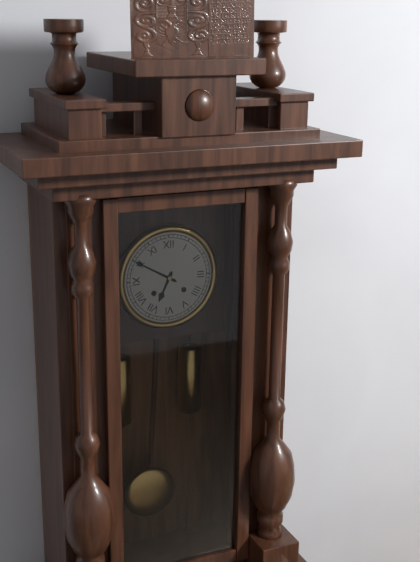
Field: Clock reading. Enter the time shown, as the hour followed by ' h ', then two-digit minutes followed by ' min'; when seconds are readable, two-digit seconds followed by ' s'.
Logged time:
6 h 50 min
